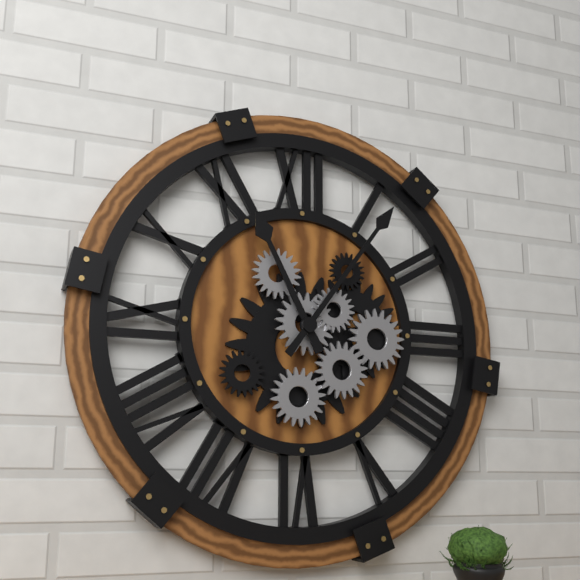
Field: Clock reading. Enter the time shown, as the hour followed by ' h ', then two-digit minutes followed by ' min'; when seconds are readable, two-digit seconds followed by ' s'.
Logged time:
11 h 06 min
